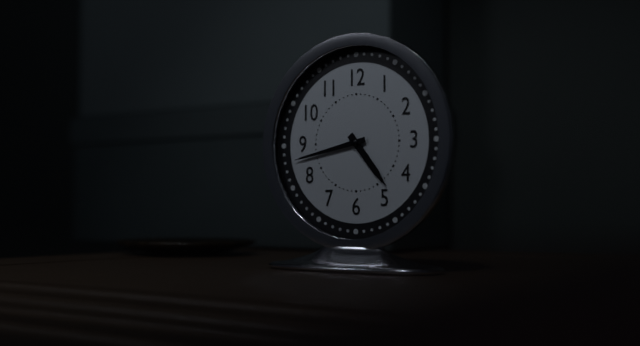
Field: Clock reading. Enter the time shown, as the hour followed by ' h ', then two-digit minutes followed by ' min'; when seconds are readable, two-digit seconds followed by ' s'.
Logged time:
4 h 43 min
